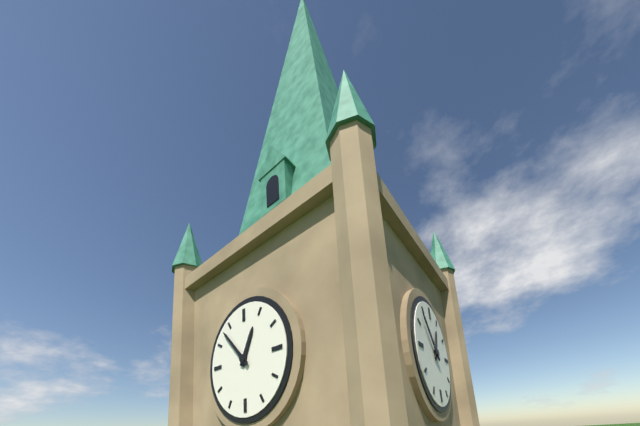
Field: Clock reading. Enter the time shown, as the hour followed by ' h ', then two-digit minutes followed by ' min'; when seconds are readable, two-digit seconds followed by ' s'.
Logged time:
12 h 53 min
